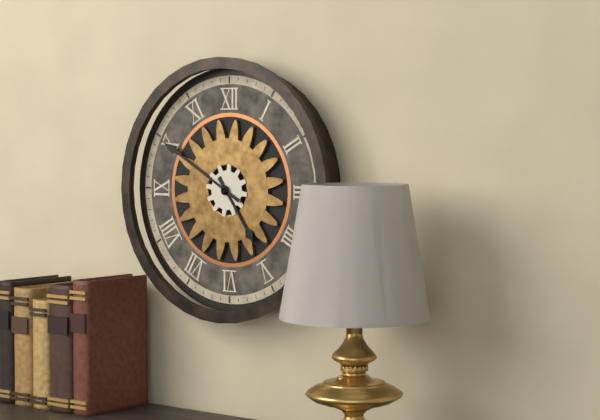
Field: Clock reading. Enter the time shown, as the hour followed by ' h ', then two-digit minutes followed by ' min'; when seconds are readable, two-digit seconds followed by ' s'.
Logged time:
4 h 50 min
